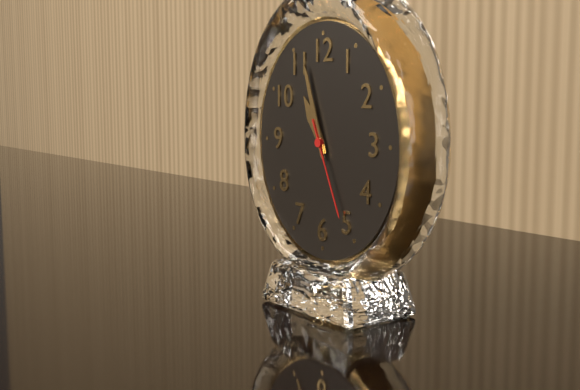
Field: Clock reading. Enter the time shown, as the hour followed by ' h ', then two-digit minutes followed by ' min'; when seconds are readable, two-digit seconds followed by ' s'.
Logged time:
10 h 57 min 26 s
